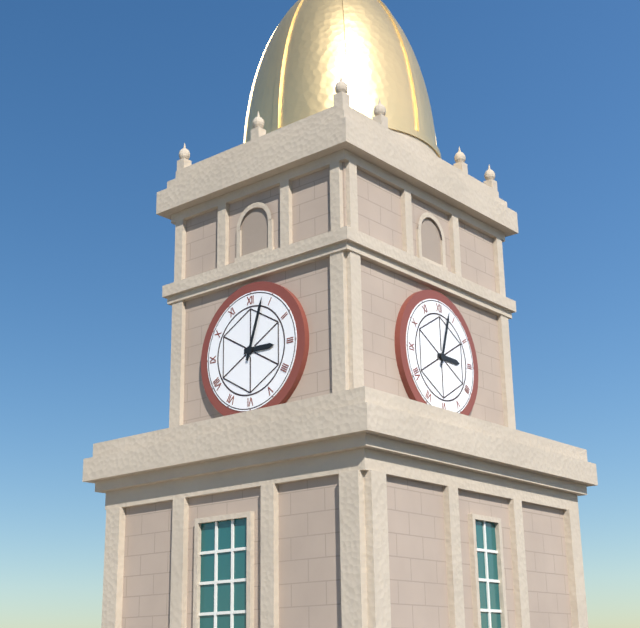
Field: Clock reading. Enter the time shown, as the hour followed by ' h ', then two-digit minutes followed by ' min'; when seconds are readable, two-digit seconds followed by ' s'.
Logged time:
3 h 03 min
